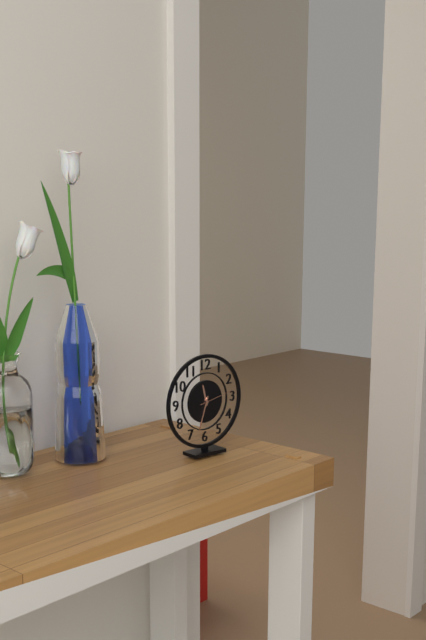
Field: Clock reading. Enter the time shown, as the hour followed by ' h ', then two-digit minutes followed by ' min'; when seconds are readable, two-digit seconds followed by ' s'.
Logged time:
11 h 33 min
